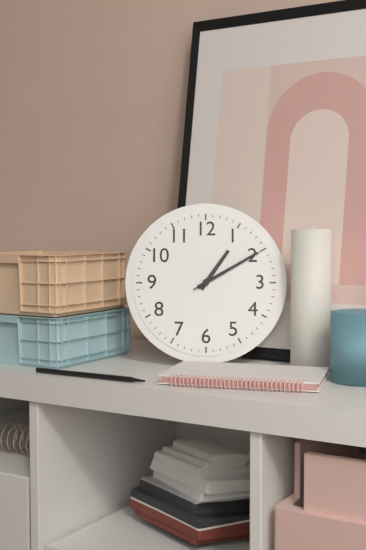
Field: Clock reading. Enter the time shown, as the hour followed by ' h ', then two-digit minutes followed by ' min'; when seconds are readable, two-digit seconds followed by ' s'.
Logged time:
1 h 10 min 10 s
